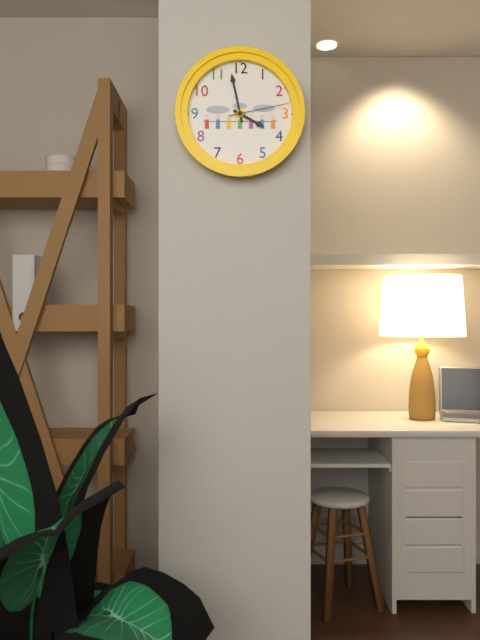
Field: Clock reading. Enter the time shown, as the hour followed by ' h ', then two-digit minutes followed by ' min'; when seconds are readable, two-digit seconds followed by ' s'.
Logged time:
3 h 58 min 13 s
